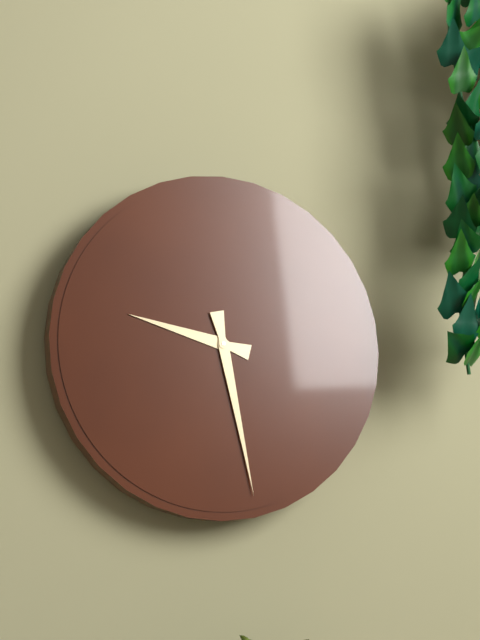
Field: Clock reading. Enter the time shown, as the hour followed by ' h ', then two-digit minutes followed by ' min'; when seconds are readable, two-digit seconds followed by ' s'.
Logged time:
9 h 28 min
